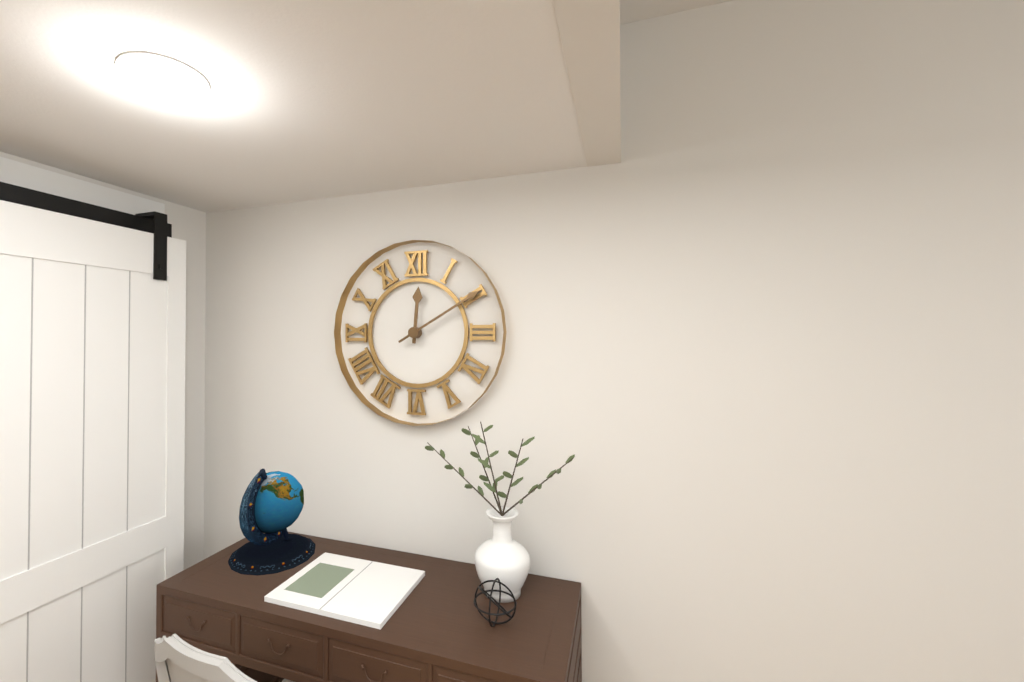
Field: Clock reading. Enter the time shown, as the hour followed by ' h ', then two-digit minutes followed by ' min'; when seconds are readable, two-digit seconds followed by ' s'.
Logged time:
12 h 10 min
